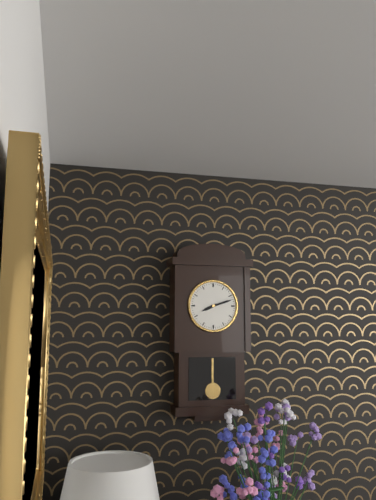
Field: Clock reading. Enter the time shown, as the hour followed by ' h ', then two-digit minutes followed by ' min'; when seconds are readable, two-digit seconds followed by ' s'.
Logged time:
8 h 12 min
